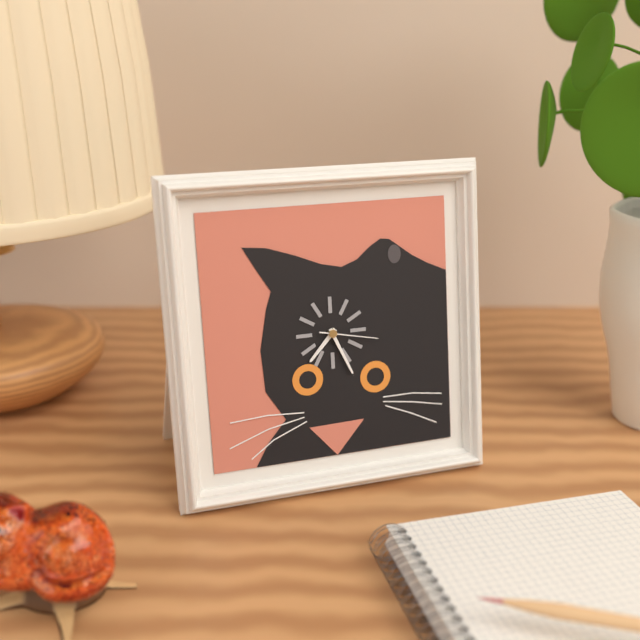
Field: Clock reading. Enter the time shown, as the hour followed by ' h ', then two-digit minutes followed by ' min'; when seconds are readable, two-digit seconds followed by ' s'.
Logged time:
7 h 26 min 17 s
